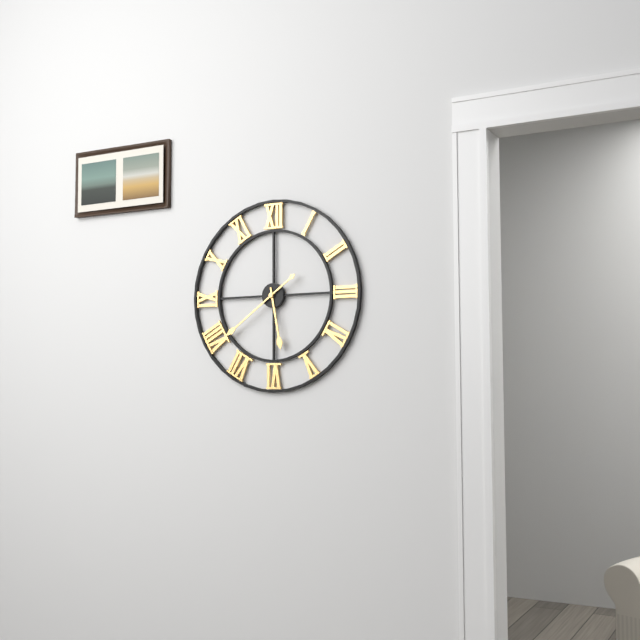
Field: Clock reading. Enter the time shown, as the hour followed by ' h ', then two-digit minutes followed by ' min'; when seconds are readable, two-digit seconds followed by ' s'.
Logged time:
5 h 39 min
